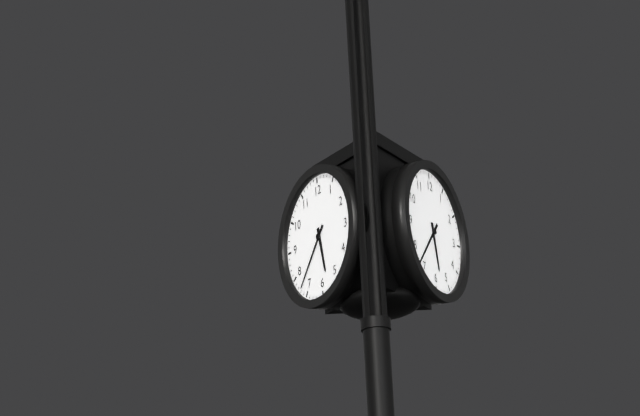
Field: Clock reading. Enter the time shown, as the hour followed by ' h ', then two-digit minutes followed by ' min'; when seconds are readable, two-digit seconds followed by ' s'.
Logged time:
5 h 37 min
